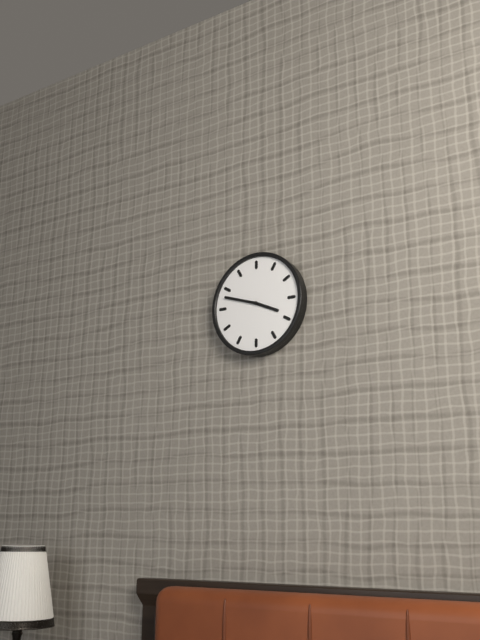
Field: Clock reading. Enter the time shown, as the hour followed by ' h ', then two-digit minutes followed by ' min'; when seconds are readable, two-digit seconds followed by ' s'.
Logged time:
3 h 48 min
